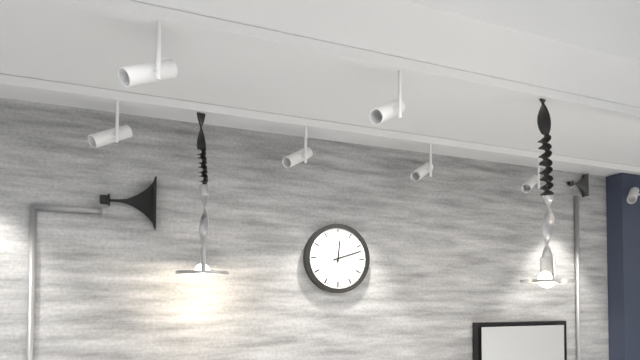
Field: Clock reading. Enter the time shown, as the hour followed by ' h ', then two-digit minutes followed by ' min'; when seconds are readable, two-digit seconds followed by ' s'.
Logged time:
12 h 12 min
